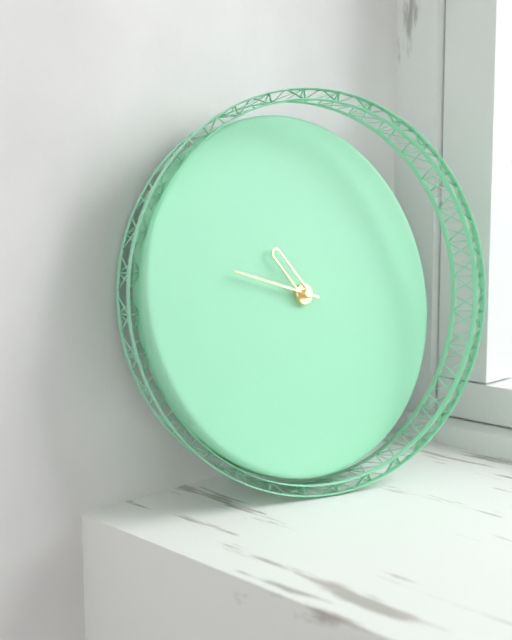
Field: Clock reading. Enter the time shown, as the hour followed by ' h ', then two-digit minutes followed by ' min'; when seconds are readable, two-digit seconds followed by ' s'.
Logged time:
10 h 48 min
